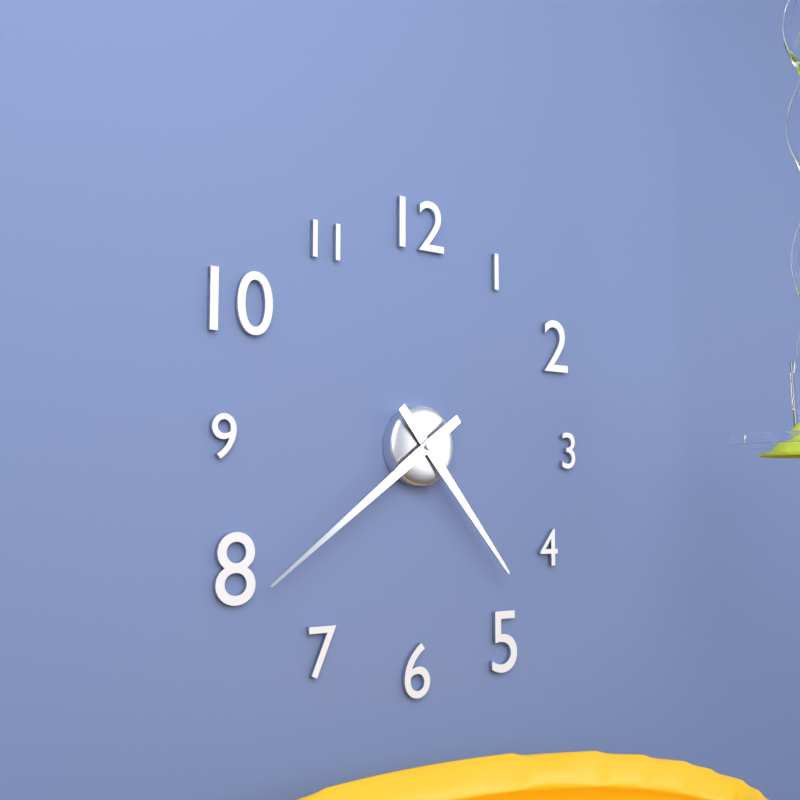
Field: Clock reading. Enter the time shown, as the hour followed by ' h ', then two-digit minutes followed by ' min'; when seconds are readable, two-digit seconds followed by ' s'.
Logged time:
4 h 39 min
